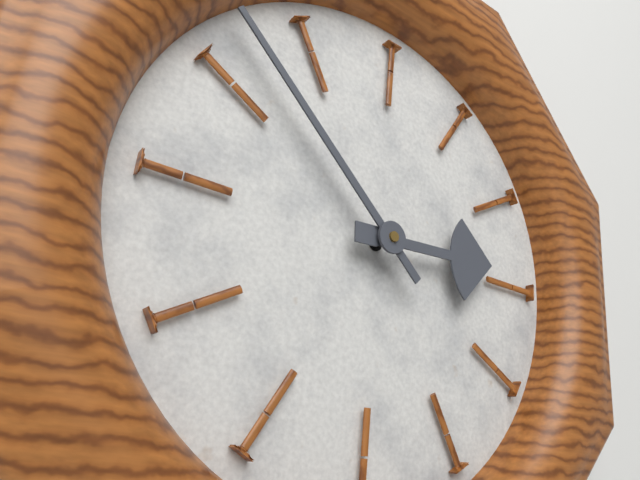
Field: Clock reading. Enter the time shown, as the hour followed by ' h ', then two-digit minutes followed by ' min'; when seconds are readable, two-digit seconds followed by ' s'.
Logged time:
2 h 52 min
